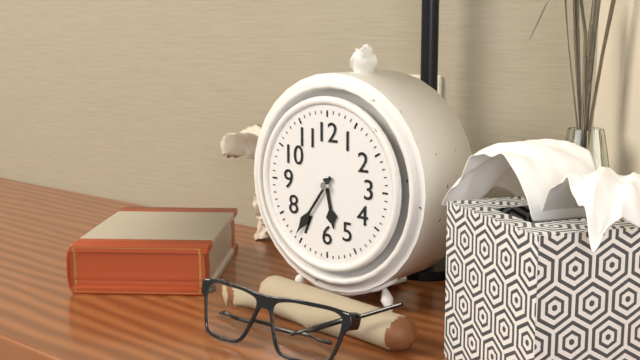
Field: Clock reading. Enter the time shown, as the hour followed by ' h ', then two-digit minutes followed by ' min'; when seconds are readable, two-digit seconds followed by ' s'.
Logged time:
5 h 36 min
